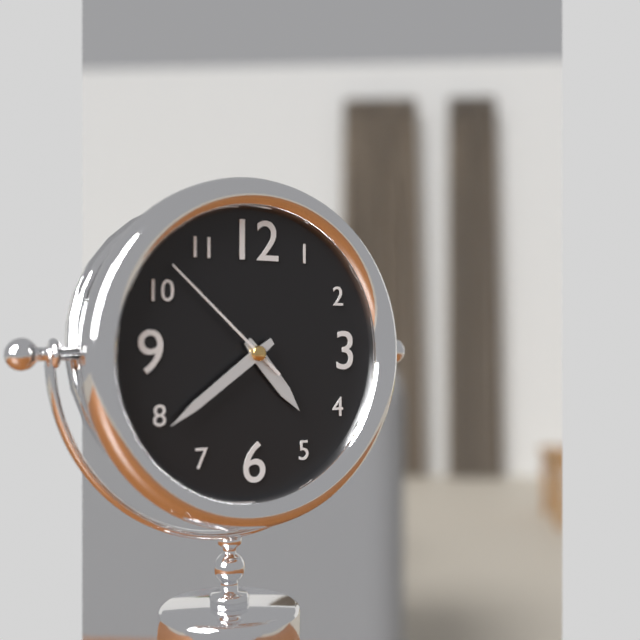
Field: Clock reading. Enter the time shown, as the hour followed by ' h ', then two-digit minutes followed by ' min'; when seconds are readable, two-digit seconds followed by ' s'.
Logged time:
4 h 39 min 52 s
